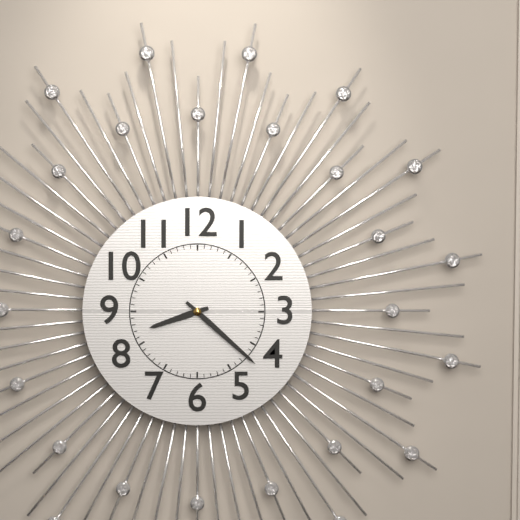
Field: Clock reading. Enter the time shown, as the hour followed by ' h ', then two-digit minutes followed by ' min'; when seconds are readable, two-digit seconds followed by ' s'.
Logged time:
8 h 22 min
